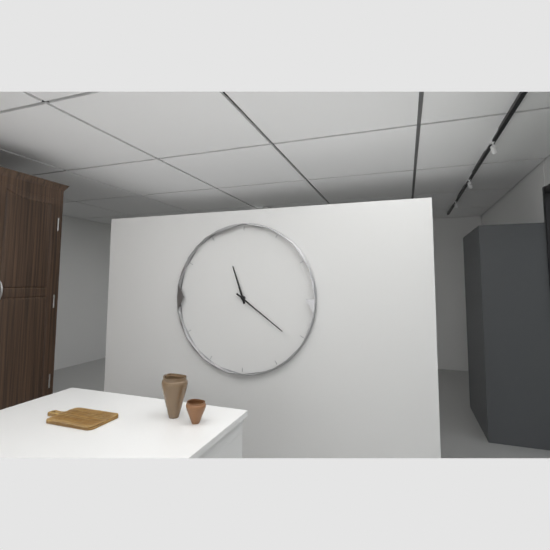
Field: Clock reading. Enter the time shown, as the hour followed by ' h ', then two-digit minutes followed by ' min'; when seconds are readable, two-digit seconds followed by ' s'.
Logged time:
11 h 21 min
